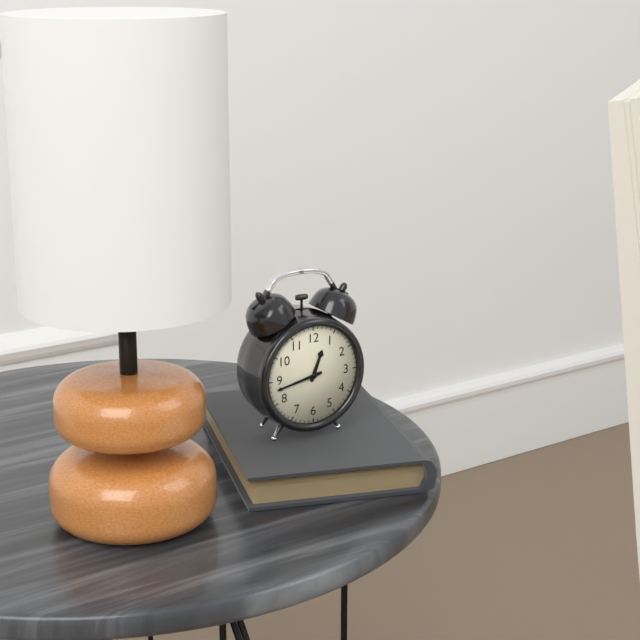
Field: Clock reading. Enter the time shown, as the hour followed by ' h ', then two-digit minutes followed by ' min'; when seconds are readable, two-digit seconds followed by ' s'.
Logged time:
12 h 43 min
